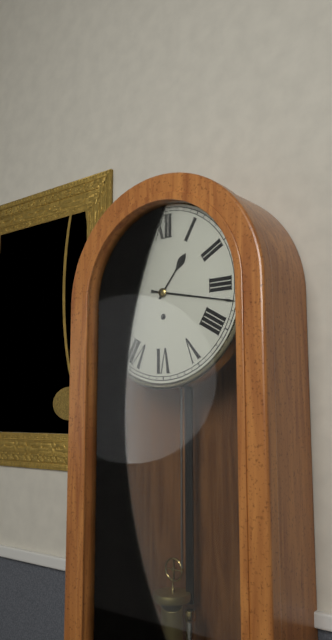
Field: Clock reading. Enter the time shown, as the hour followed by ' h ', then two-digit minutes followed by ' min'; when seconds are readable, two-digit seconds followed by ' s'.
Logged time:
1 h 17 min
